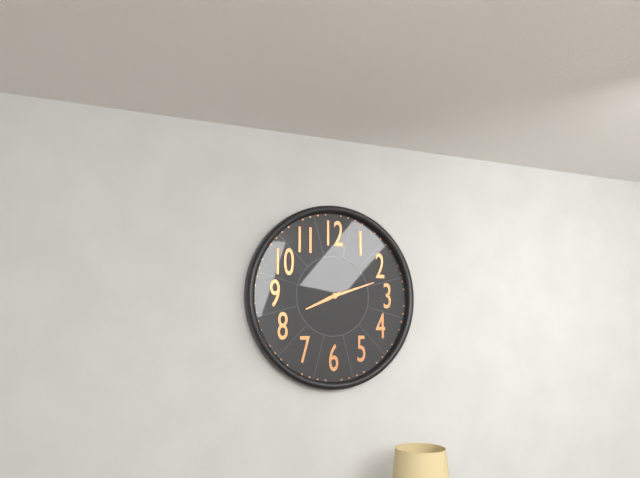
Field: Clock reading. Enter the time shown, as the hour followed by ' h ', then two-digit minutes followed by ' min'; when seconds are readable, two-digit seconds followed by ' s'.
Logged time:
8 h 12 min
